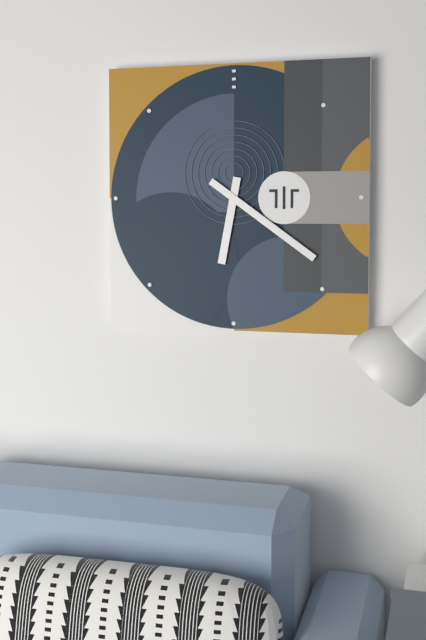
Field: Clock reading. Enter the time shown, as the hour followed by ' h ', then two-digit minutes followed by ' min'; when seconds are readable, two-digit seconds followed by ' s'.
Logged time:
6 h 21 min
